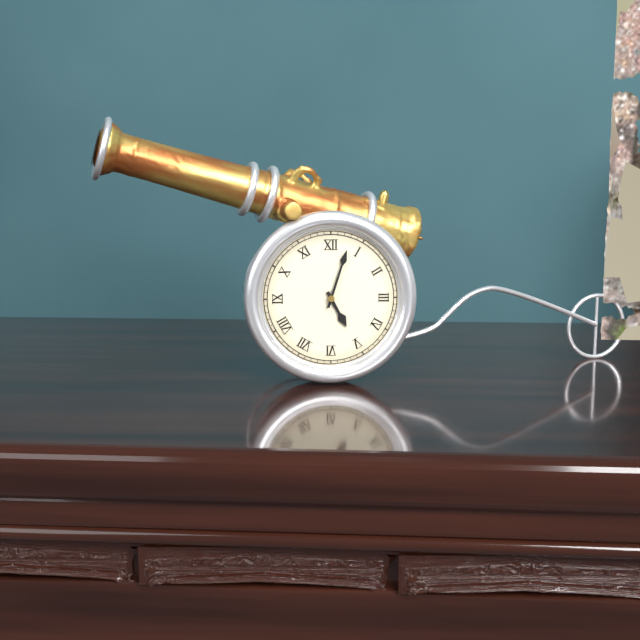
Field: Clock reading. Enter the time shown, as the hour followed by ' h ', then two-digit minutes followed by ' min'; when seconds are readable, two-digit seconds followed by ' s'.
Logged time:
5 h 03 min
